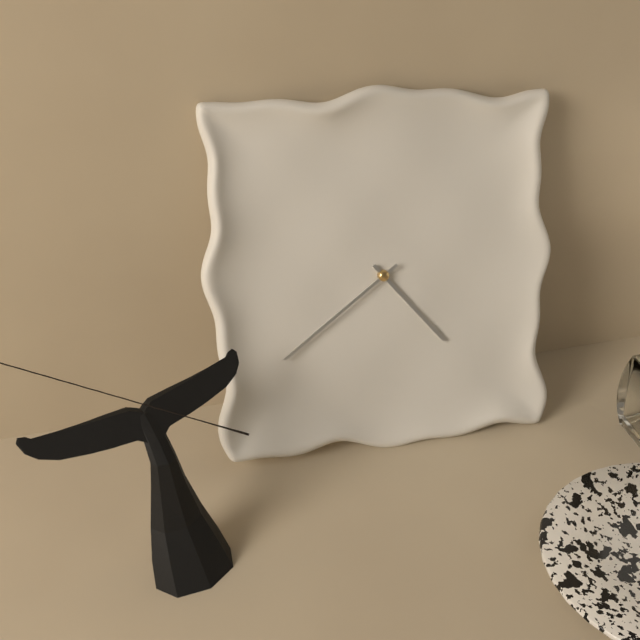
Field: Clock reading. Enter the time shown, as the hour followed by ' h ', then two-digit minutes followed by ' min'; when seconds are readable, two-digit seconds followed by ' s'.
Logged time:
4 h 39 min
